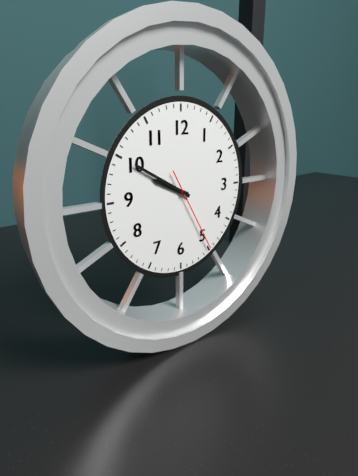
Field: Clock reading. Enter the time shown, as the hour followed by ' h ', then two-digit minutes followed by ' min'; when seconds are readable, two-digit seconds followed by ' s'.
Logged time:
9 h 50 min 25 s
